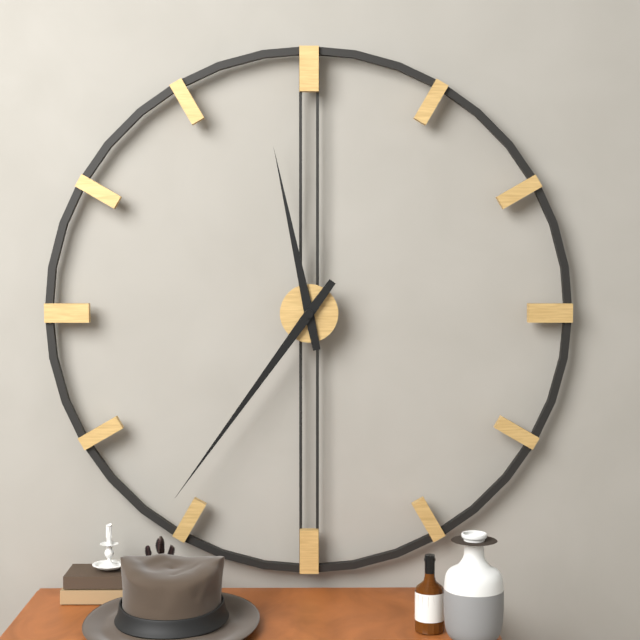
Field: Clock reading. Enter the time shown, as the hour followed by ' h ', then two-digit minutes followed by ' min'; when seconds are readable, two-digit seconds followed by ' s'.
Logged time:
11 h 36 min
